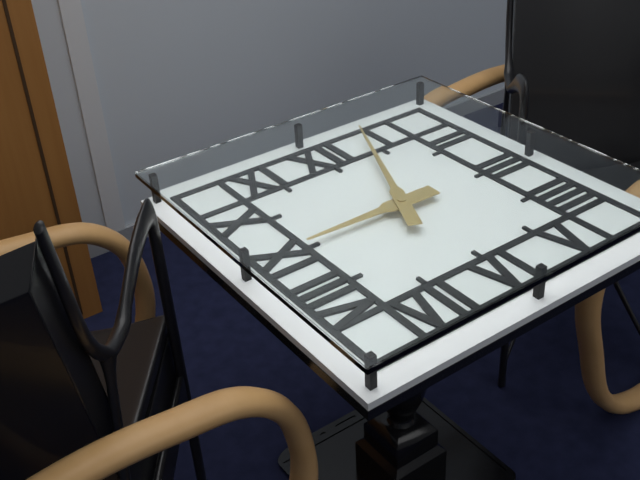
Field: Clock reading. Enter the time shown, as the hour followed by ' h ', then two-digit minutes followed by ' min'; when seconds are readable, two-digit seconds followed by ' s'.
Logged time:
9 h 04 min
